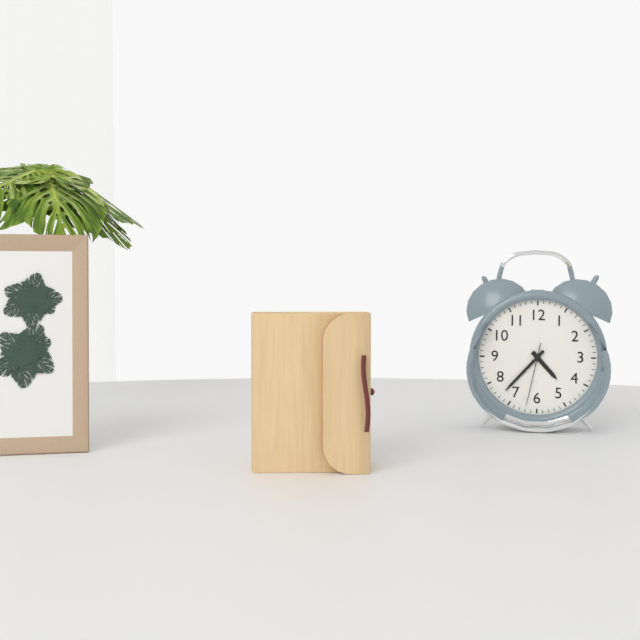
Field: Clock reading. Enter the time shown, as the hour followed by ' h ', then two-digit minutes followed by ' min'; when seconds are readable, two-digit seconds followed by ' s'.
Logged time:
4 h 37 min 32 s
